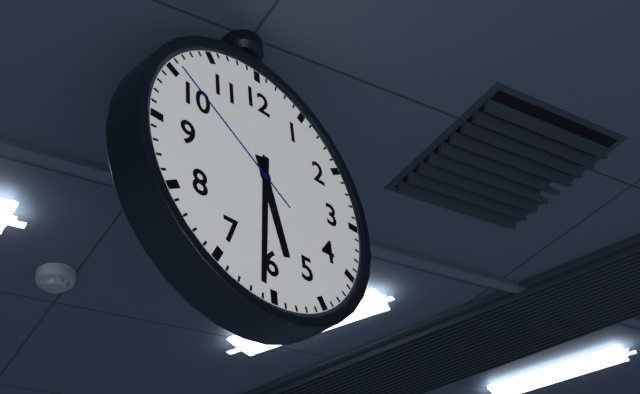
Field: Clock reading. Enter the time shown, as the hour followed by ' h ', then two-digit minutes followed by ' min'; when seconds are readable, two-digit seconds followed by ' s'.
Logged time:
5 h 31 min 51 s
